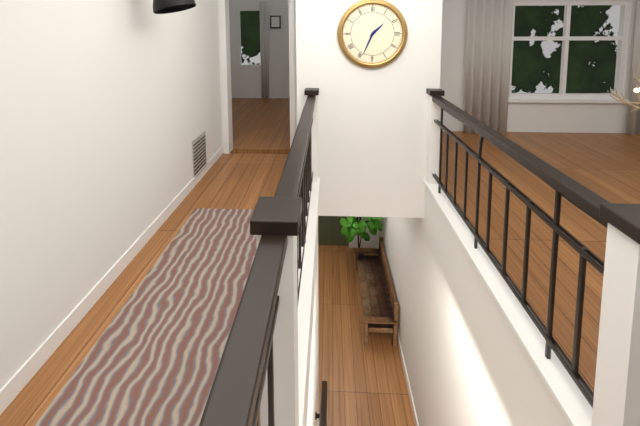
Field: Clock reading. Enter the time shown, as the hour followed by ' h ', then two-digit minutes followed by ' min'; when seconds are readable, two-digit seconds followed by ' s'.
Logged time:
1 h 34 min
